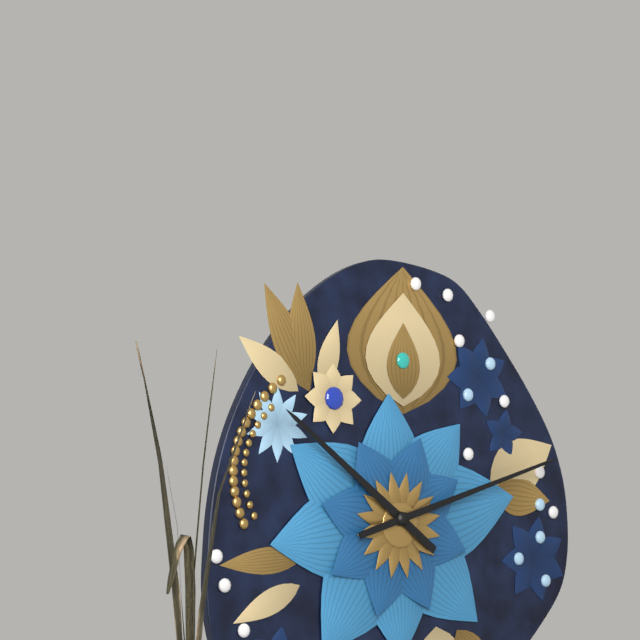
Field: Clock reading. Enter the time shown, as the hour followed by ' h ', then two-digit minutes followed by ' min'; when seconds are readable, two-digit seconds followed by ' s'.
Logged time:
10 h 12 min
